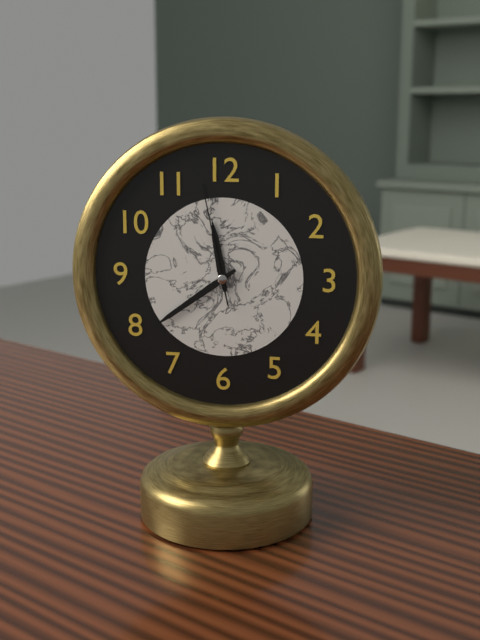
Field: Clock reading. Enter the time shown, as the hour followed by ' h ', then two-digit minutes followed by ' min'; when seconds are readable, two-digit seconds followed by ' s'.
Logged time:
11 h 39 min 58 s
